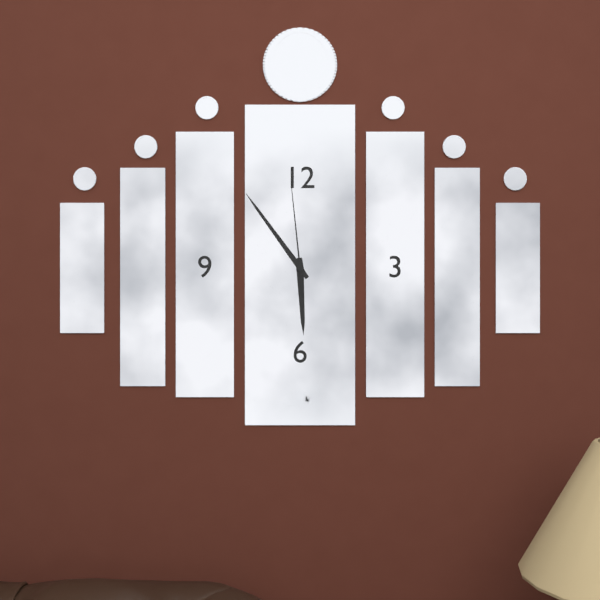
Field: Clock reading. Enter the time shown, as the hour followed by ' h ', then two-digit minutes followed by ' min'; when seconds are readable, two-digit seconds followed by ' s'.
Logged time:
5 h 54 min 59 s
